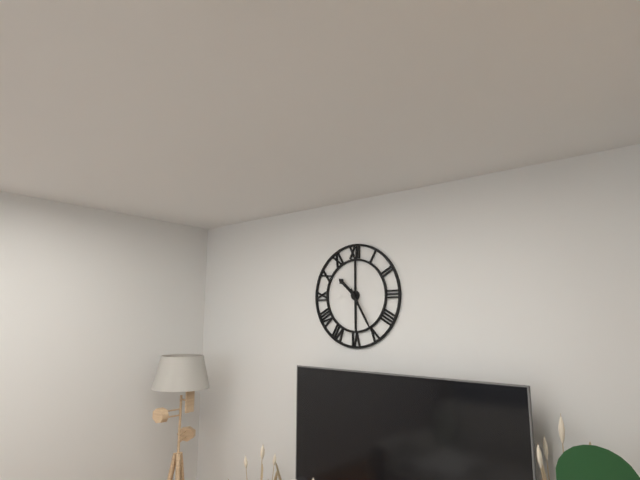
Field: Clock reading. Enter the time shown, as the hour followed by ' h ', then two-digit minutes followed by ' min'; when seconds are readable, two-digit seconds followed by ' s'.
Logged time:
10 h 25 min
